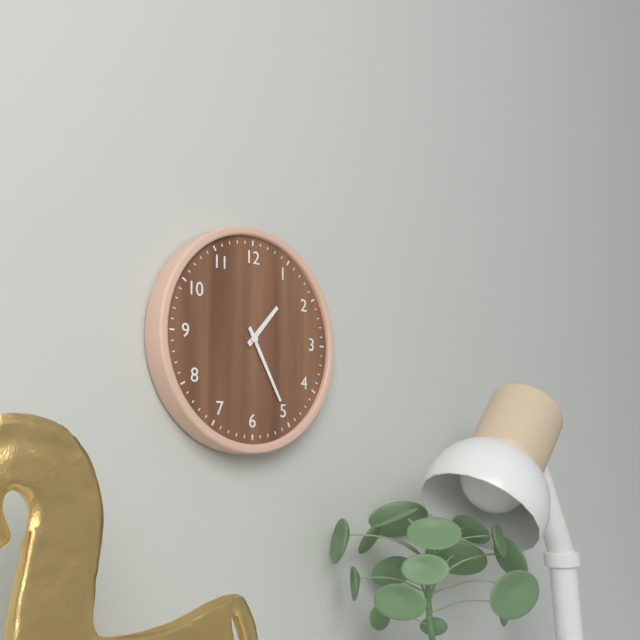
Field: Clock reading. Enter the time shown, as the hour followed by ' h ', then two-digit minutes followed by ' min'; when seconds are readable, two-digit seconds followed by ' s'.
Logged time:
1 h 25 min
